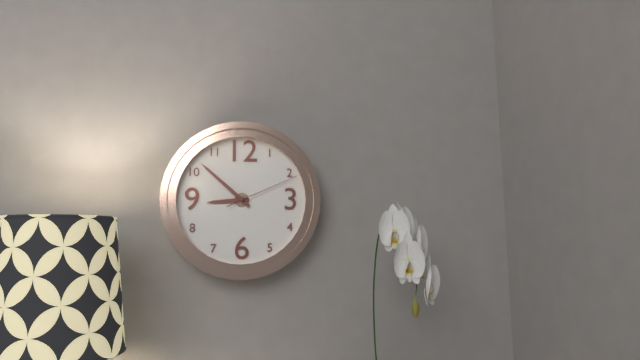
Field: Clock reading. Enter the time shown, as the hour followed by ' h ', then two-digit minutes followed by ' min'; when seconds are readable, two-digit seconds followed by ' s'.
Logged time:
8 h 52 min 11 s
